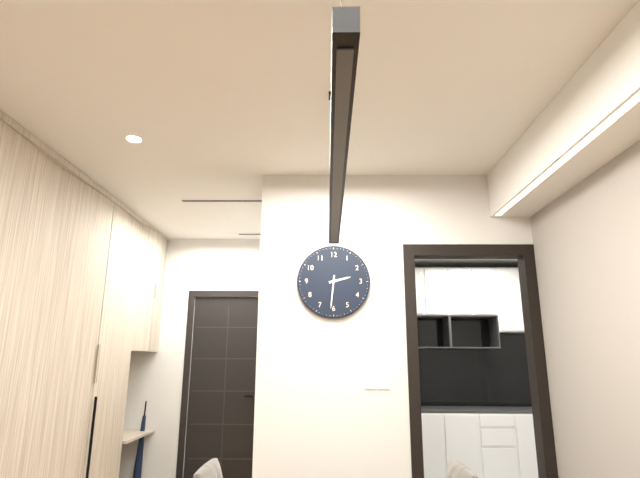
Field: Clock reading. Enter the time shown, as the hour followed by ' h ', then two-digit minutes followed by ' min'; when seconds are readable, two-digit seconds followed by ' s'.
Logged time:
2 h 31 min
